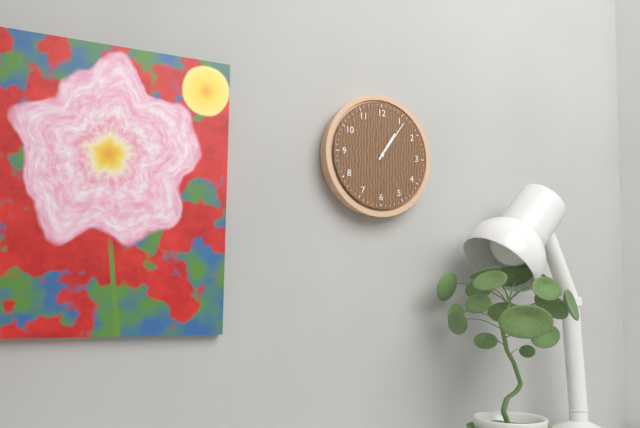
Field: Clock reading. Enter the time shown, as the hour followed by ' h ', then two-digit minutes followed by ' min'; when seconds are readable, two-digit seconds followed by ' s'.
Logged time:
1 h 06 min
